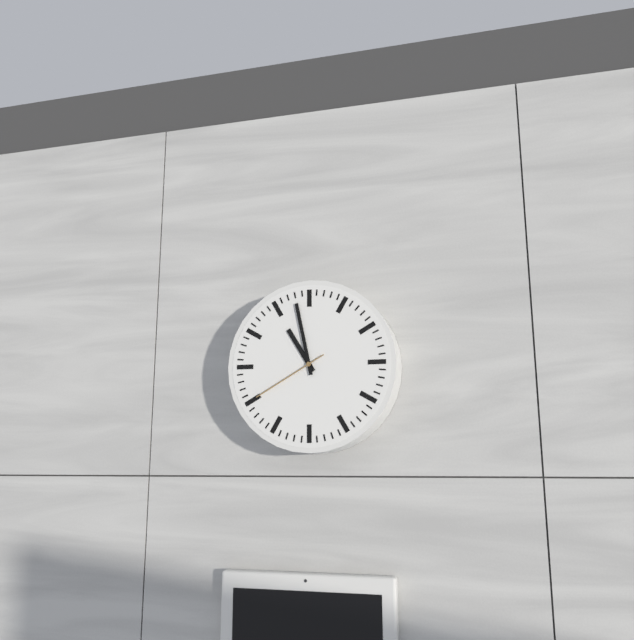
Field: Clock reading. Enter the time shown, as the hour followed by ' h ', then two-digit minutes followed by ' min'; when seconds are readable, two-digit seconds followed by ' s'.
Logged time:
10 h 58 min 40 s
